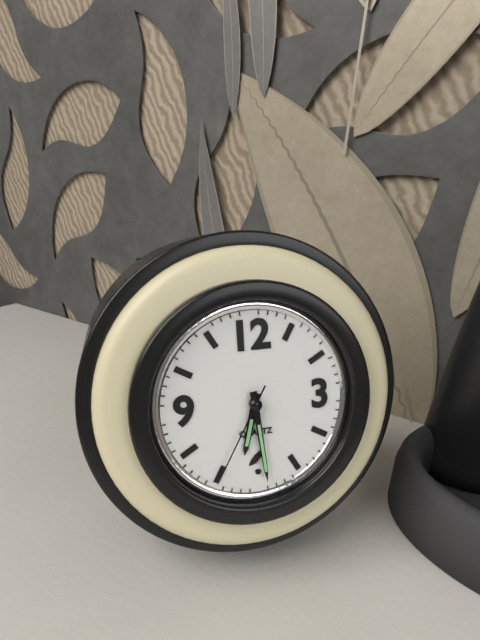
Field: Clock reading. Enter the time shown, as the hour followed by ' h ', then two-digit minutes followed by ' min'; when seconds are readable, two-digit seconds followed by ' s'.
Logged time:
6 h 29 min 35 s
